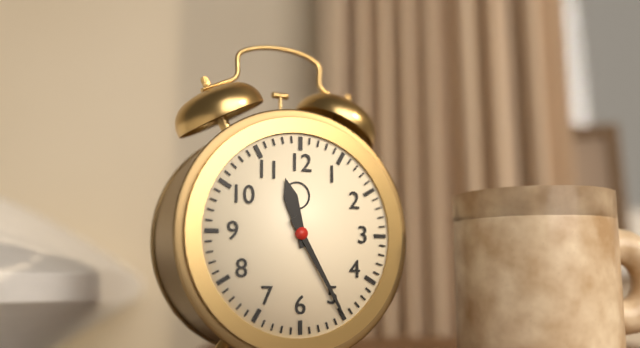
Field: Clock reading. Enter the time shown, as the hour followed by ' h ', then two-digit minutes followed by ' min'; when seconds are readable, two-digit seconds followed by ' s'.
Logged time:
11 h 25 min
